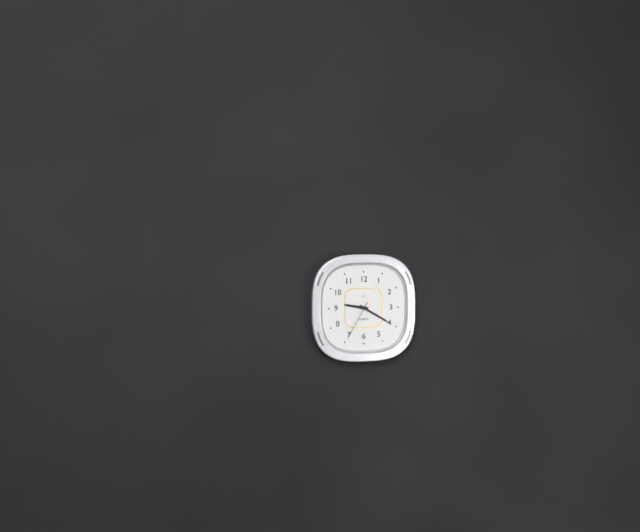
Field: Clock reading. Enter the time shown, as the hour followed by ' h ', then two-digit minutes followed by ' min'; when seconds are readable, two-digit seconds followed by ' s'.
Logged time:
9 h 20 min
